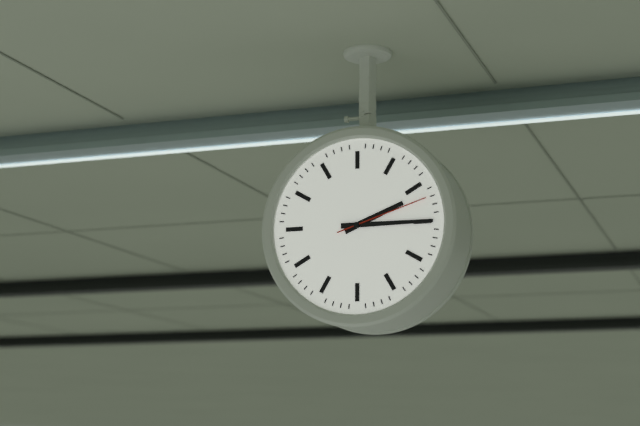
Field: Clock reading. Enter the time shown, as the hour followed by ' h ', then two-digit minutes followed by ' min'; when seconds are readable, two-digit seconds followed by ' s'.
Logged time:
2 h 15 min 12 s
